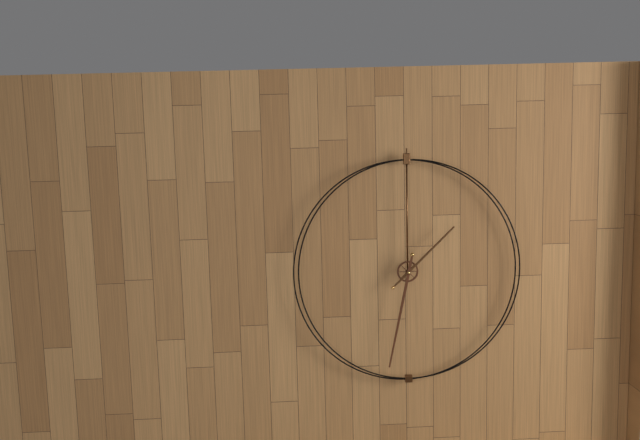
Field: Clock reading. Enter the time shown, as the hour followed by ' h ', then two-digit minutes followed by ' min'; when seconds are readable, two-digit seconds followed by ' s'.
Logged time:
1 h 32 min
